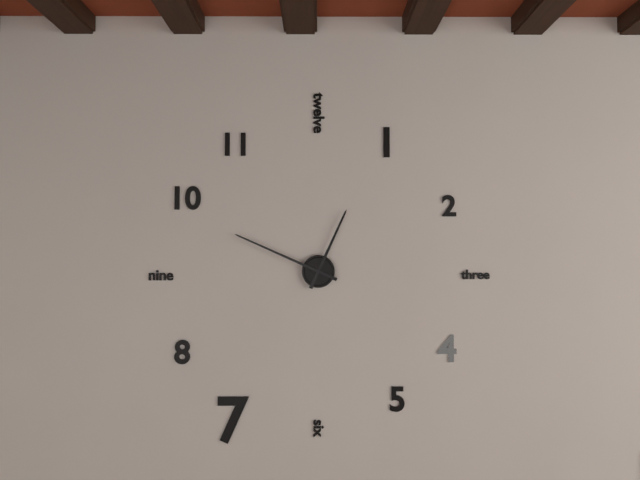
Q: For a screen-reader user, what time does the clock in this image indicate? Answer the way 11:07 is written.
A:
12:49
